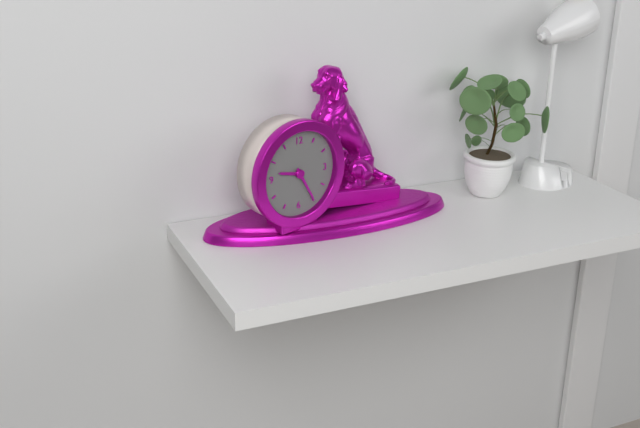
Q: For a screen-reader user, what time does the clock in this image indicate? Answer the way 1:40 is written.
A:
9:25
